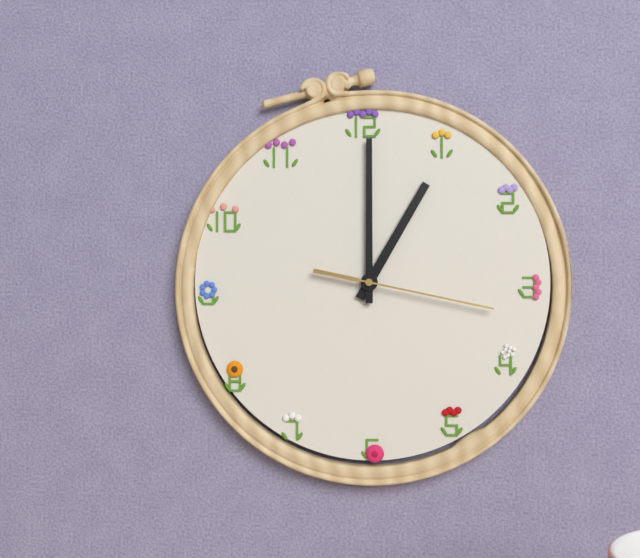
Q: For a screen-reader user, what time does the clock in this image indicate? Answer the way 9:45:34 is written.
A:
1:00:17
